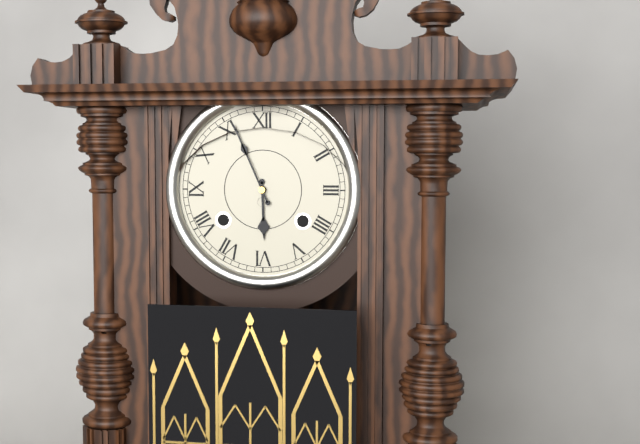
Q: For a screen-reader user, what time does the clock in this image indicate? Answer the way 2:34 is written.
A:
5:56
